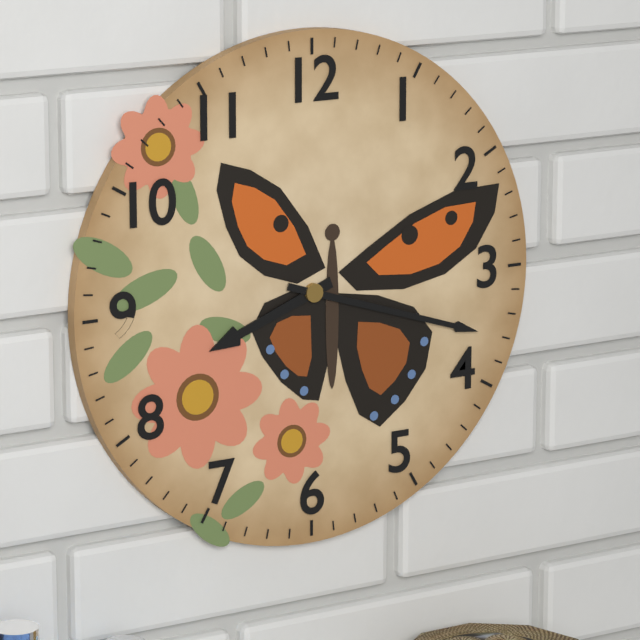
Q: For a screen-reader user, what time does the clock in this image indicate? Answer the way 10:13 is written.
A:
8:18
